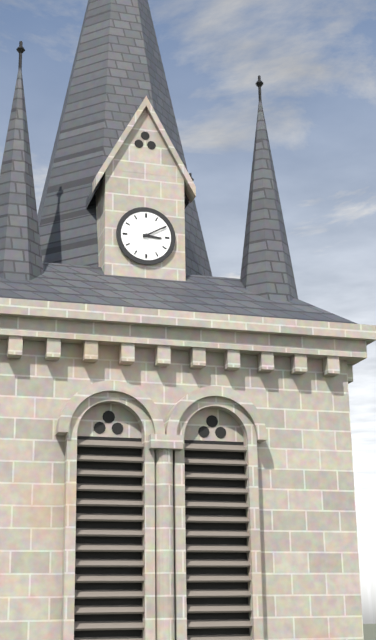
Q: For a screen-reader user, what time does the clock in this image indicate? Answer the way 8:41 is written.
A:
3:10
